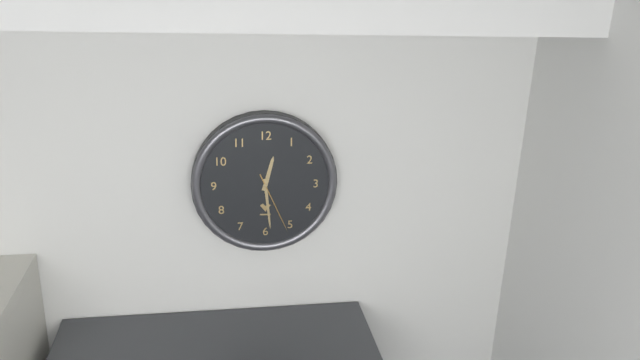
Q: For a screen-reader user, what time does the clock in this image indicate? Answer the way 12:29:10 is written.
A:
12:29:26
